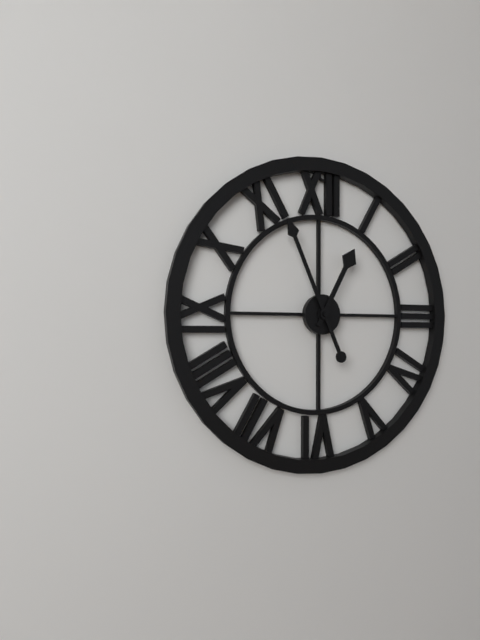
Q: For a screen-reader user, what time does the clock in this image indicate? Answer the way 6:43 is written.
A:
12:56
